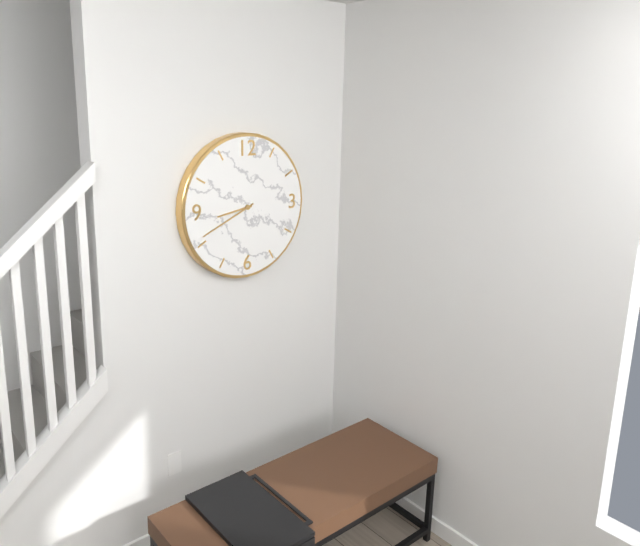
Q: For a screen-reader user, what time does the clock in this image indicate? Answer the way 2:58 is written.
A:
8:41
